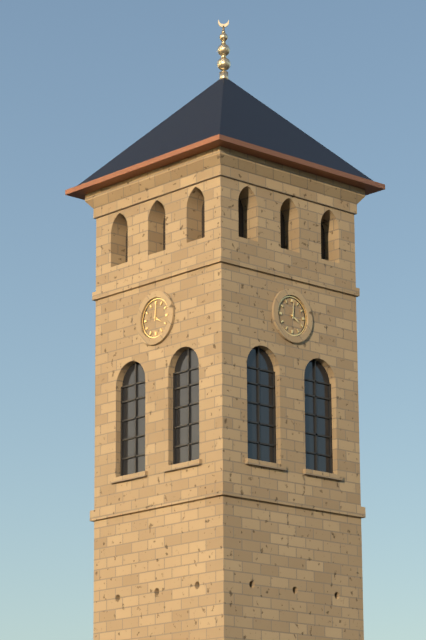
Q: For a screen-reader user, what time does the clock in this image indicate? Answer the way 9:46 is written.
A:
4:01
